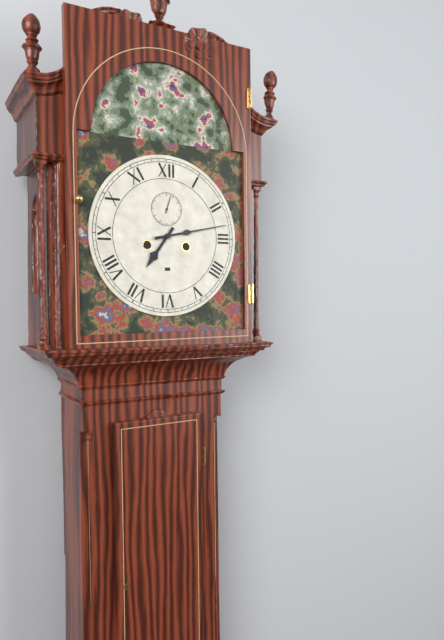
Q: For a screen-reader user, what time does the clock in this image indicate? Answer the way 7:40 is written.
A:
7:13
